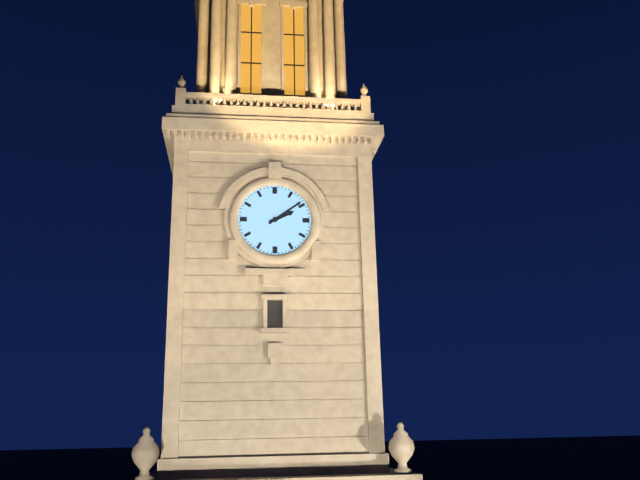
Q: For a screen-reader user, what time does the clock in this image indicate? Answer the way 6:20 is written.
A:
2:09
